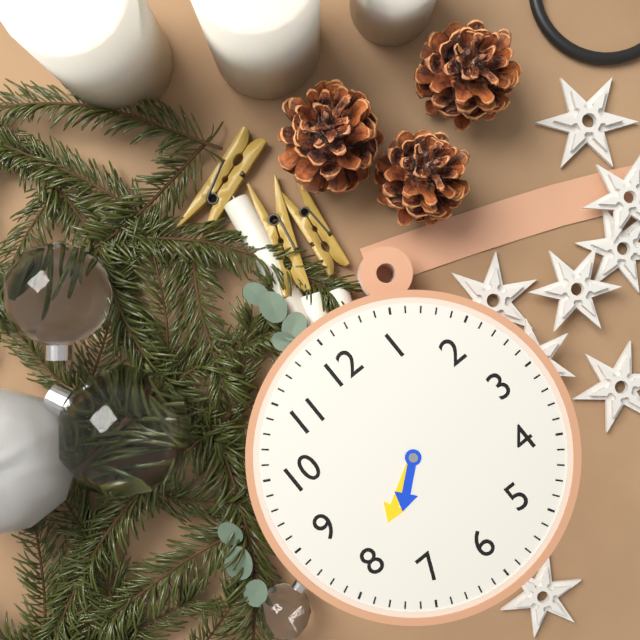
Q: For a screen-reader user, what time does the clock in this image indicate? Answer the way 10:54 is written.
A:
7:40
